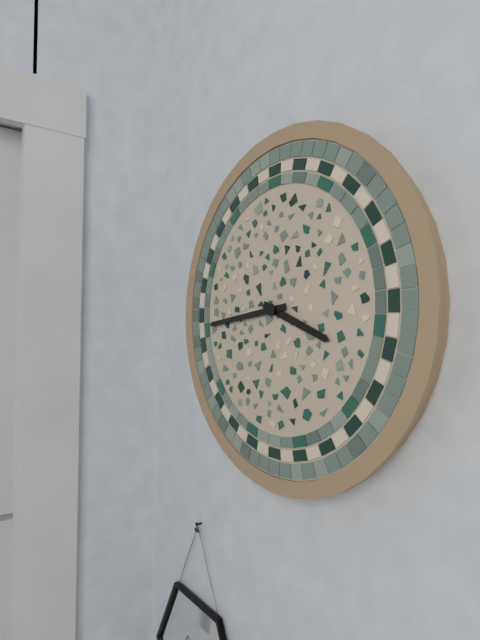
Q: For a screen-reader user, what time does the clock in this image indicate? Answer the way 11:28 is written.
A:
3:44
